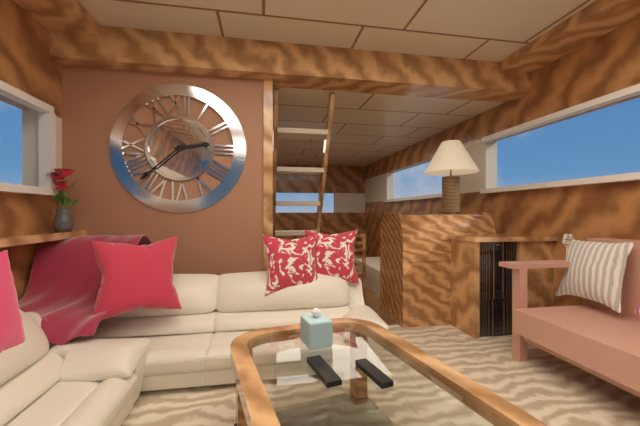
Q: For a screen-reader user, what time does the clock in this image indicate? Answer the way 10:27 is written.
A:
2:38
